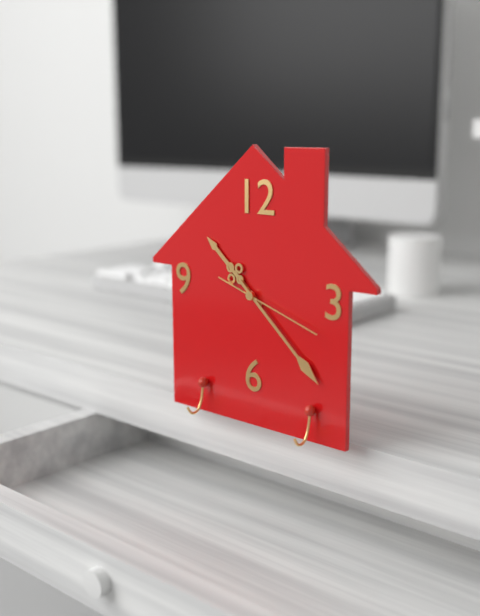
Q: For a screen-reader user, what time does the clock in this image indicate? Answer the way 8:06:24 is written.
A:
10:22:18
